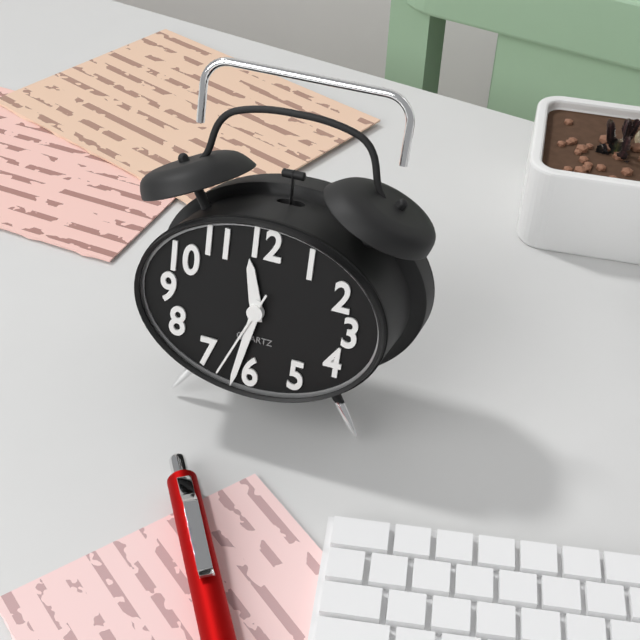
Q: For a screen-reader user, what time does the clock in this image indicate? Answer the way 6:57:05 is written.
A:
11:32:34
